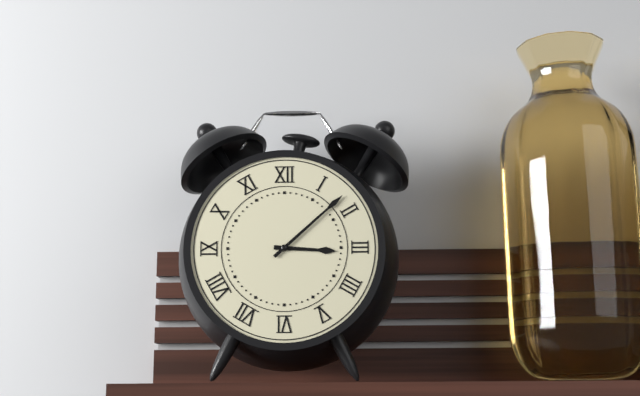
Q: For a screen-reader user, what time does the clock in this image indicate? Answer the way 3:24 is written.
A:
3:08
